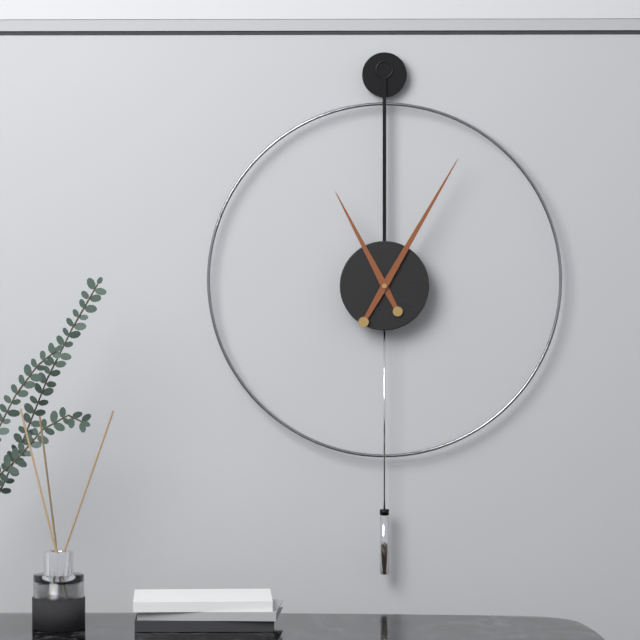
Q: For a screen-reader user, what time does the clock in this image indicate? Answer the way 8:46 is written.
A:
11:05
